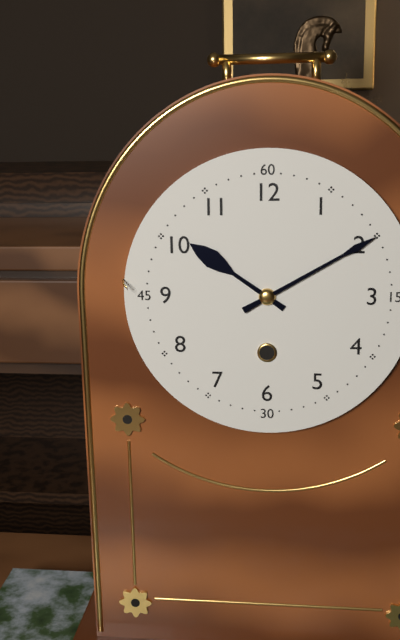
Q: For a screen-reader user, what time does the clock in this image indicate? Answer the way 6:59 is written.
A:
10:10
